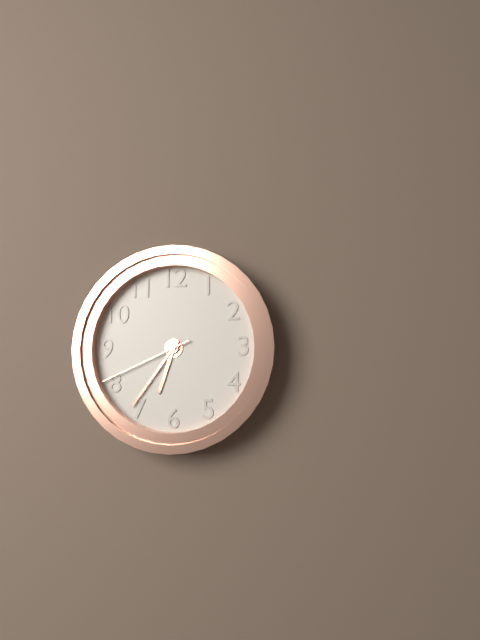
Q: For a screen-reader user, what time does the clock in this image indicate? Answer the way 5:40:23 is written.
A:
6:36:41
